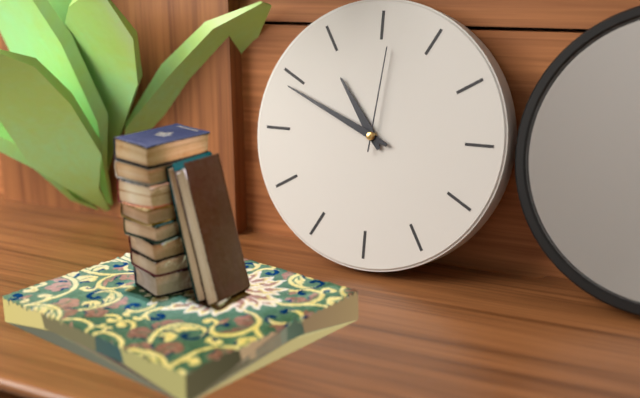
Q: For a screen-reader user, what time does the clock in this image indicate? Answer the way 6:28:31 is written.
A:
10:49:01
